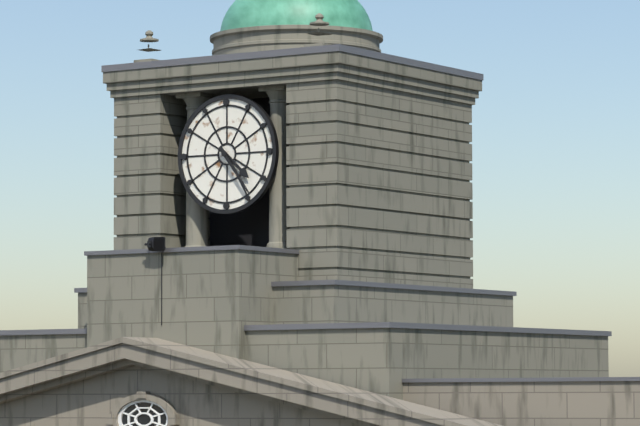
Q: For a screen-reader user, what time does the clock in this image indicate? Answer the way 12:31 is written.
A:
4:24
